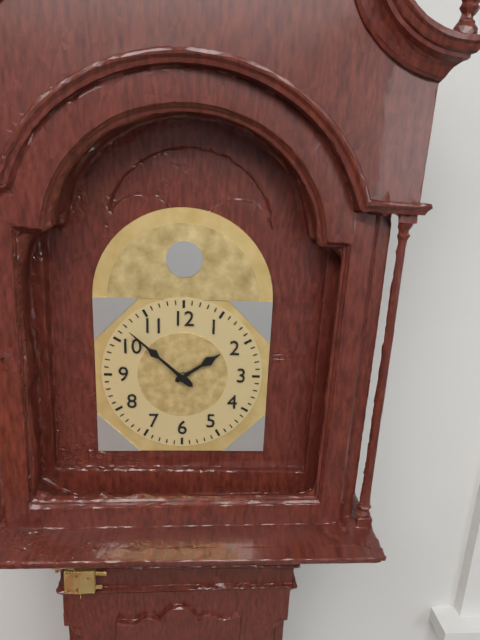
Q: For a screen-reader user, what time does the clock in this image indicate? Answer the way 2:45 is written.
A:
1:52
